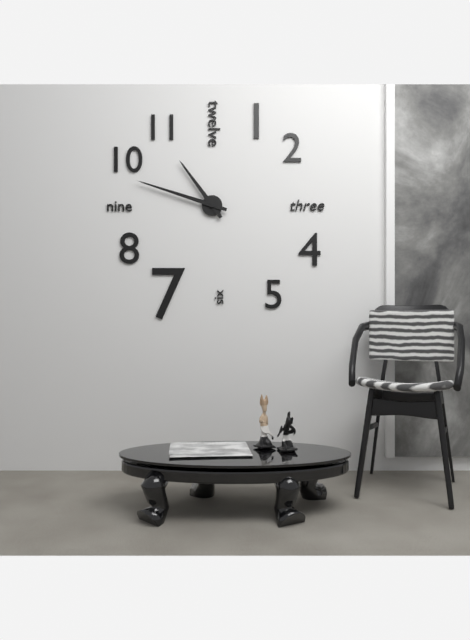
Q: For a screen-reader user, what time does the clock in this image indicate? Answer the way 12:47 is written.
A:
10:48
